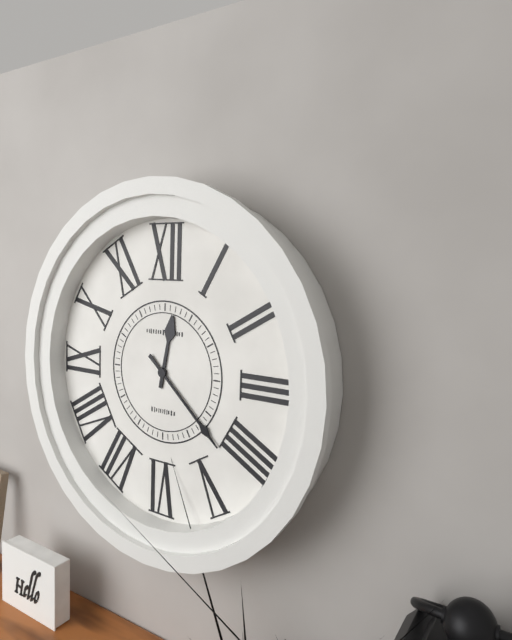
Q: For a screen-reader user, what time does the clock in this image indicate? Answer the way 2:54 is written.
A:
12:22
